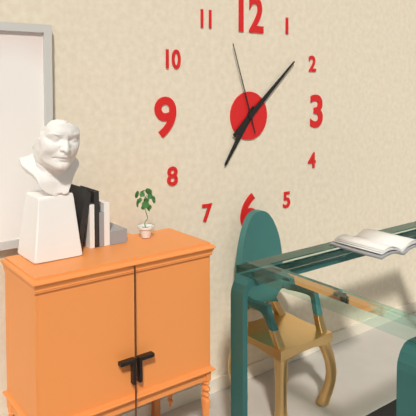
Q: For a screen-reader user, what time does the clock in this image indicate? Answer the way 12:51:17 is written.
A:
7:08:57
